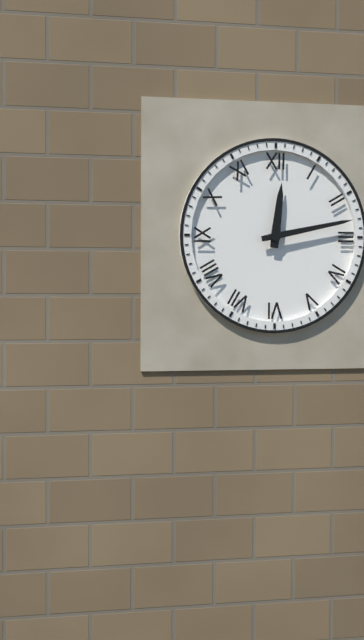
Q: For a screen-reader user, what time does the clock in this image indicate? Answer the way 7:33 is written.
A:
12:13
